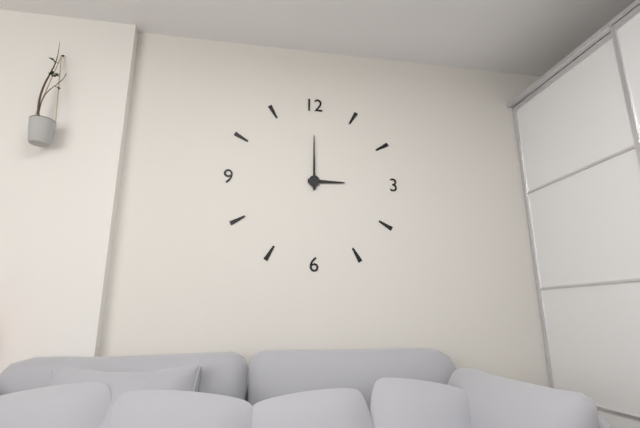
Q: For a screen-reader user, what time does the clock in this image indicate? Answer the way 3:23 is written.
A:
3:00
